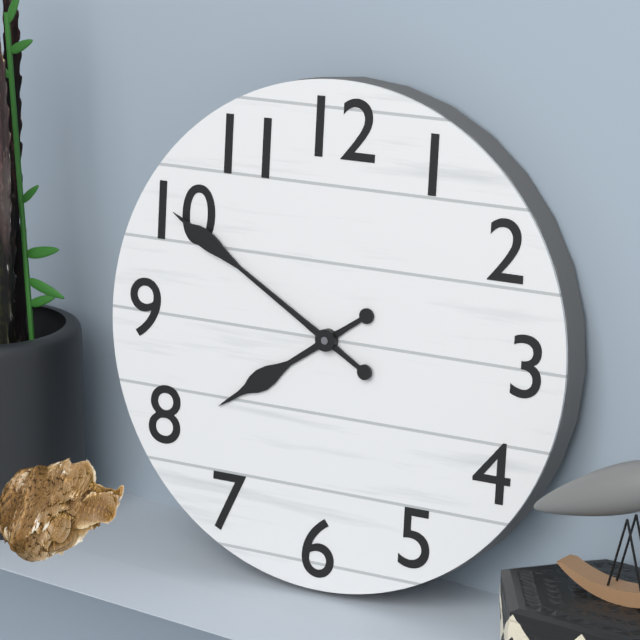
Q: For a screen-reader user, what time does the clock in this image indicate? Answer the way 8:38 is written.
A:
7:50
